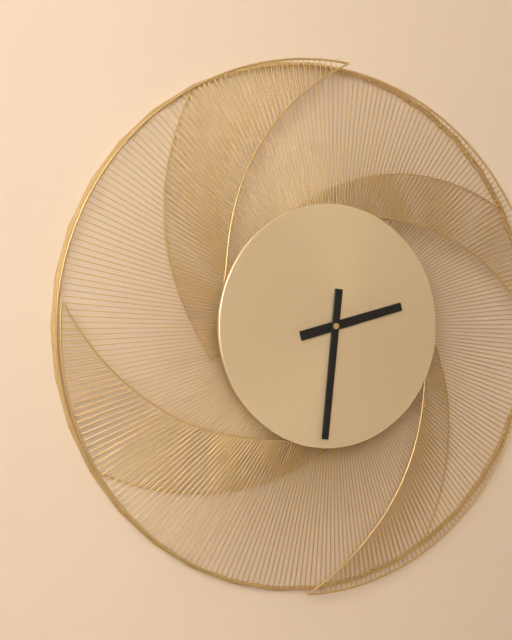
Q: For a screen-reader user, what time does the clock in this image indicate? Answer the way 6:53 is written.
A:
2:31
